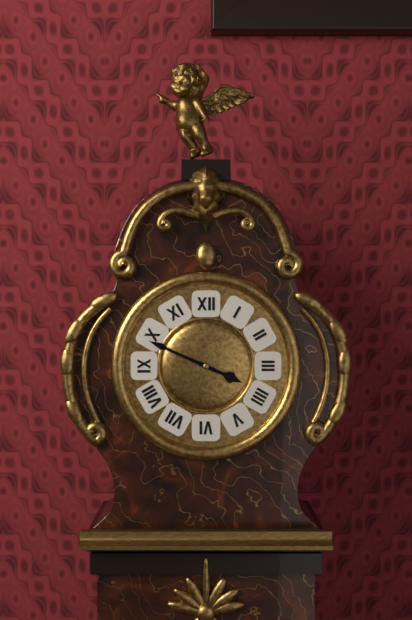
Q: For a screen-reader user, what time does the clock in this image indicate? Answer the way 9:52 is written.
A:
3:49
